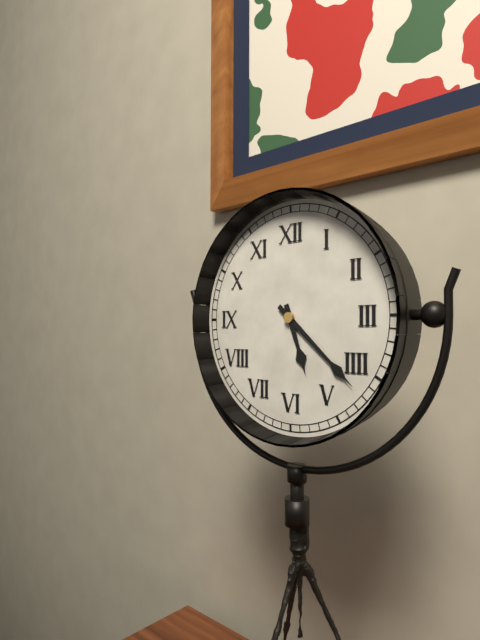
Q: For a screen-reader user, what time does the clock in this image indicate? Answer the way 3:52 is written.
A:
5:22
